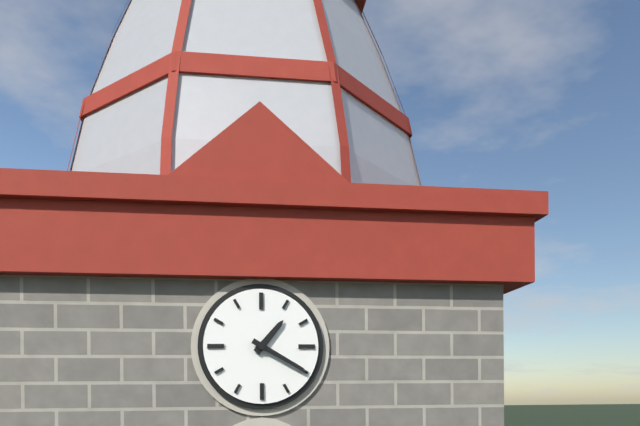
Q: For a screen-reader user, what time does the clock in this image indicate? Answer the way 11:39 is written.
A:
1:20
